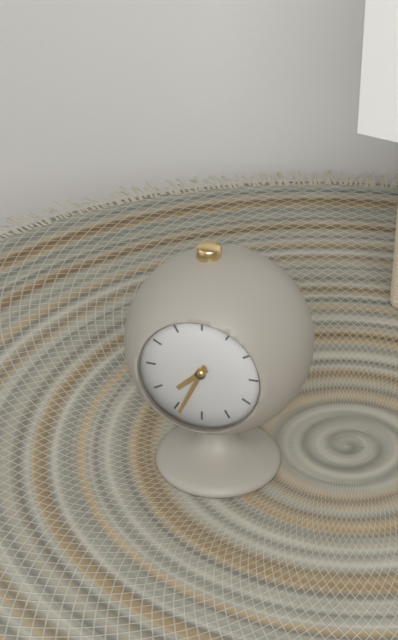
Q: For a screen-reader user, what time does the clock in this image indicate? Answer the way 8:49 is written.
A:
7:34
